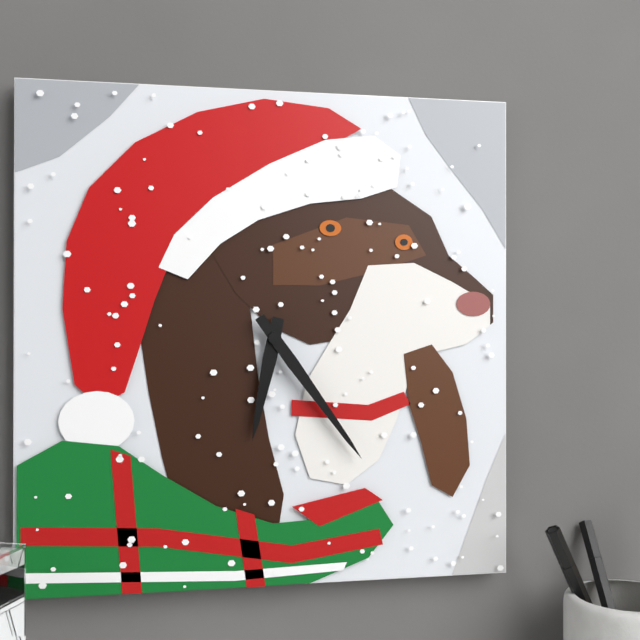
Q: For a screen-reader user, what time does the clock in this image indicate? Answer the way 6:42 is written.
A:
6:24
